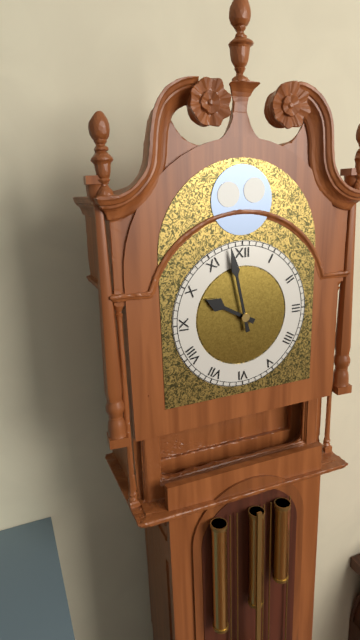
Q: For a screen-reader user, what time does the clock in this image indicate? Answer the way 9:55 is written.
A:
9:58
